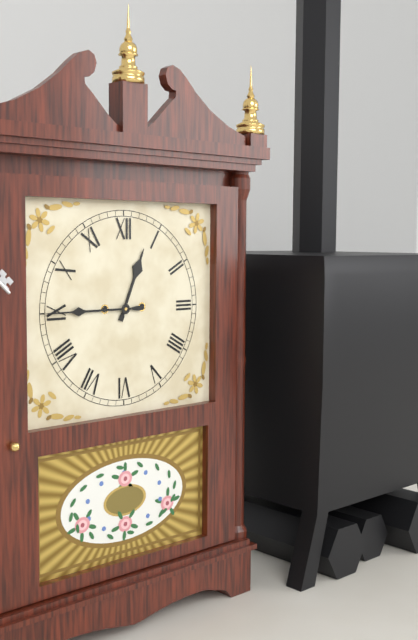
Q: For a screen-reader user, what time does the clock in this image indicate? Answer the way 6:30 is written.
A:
12:45
